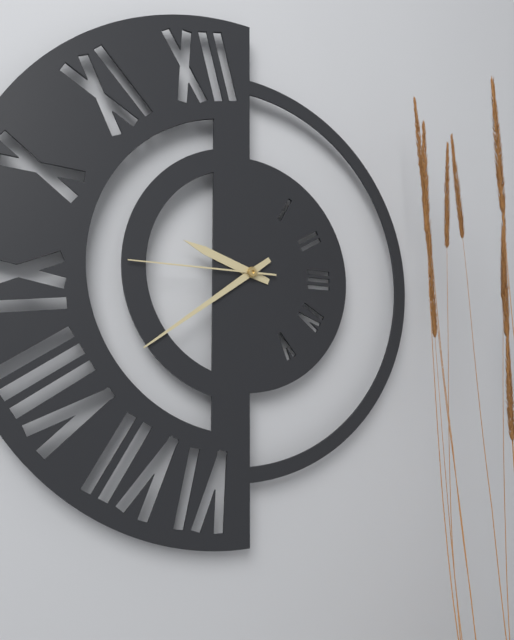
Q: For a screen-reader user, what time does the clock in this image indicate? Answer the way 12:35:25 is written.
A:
9:39:45
